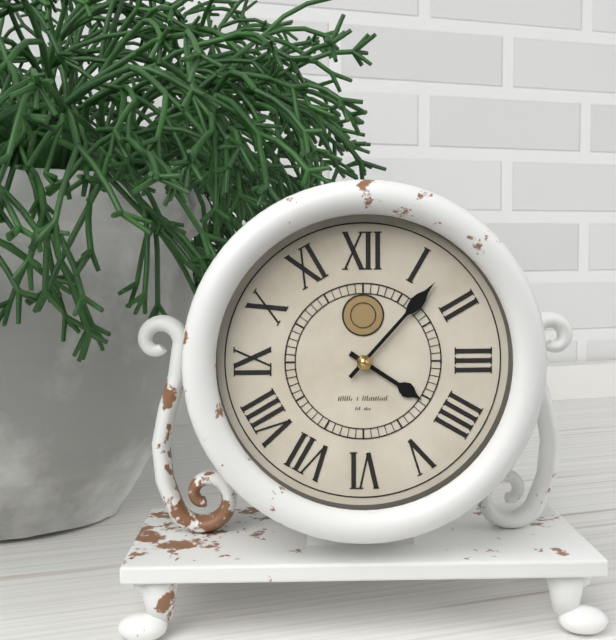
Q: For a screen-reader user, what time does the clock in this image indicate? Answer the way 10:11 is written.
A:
4:07
